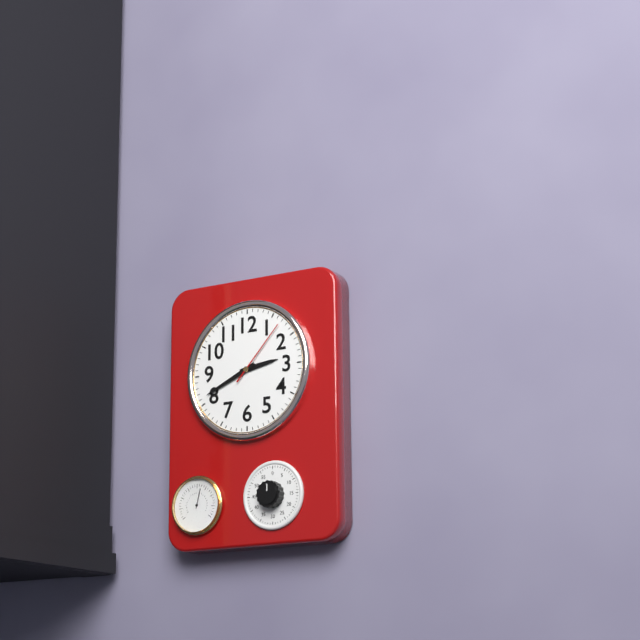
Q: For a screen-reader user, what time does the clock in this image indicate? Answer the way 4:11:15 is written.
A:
2:41:07
